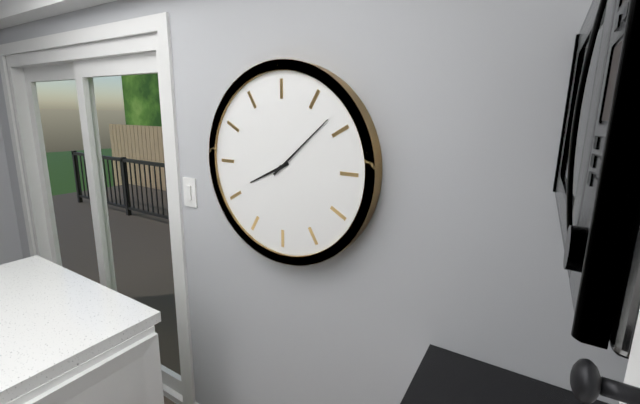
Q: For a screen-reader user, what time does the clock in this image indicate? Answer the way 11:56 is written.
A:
8:08
